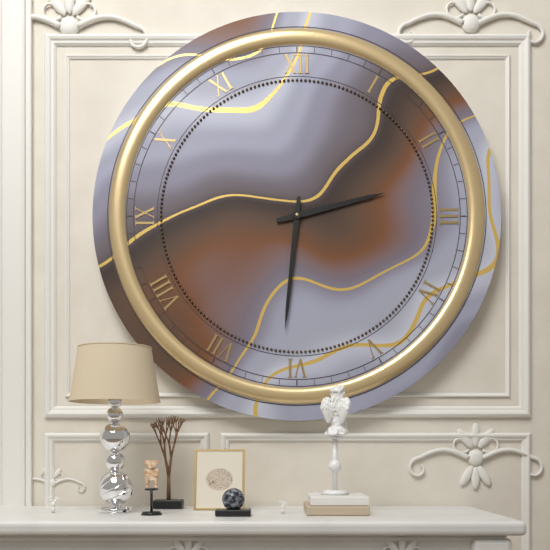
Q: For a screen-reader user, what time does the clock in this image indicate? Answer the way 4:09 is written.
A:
2:31
